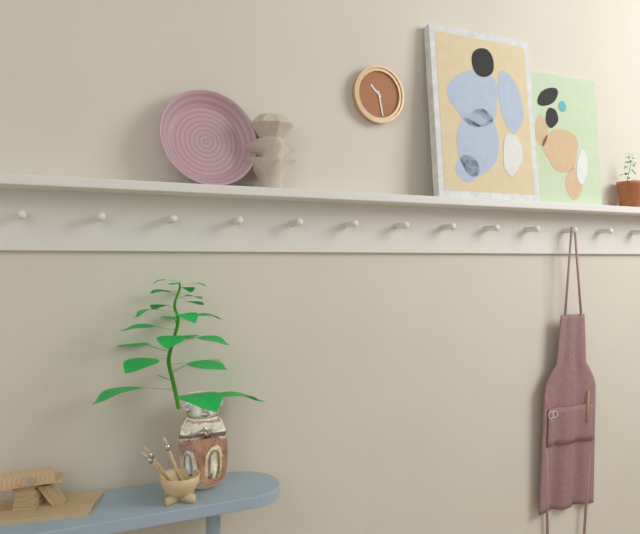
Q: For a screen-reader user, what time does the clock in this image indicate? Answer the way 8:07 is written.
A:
10:28
